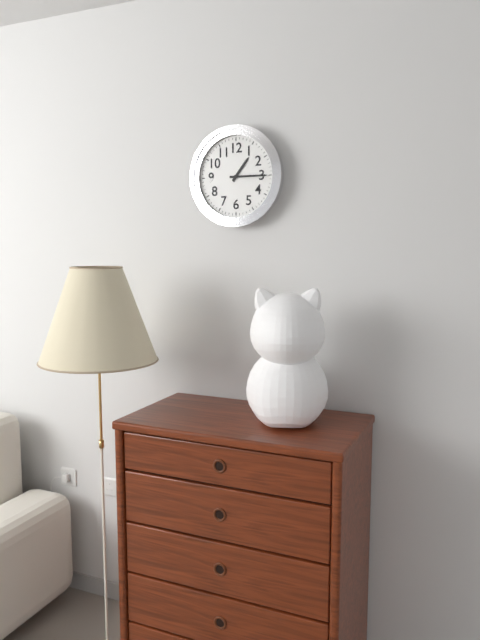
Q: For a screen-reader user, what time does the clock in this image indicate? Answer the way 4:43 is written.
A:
1:15
